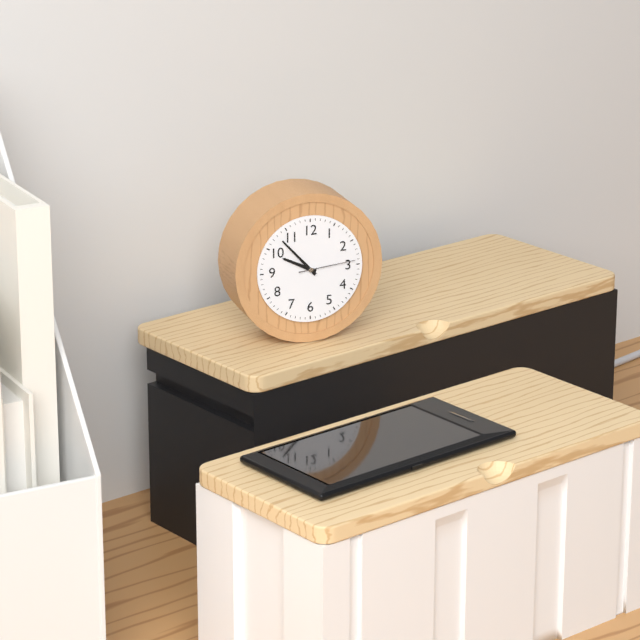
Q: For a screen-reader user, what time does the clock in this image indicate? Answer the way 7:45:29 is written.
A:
9:53:14
